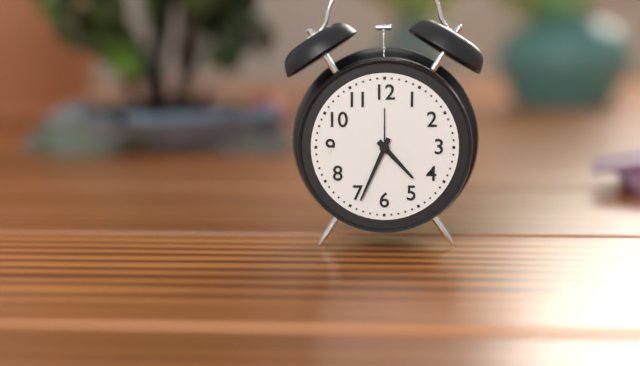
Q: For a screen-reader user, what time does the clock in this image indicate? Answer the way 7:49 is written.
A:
4:34
